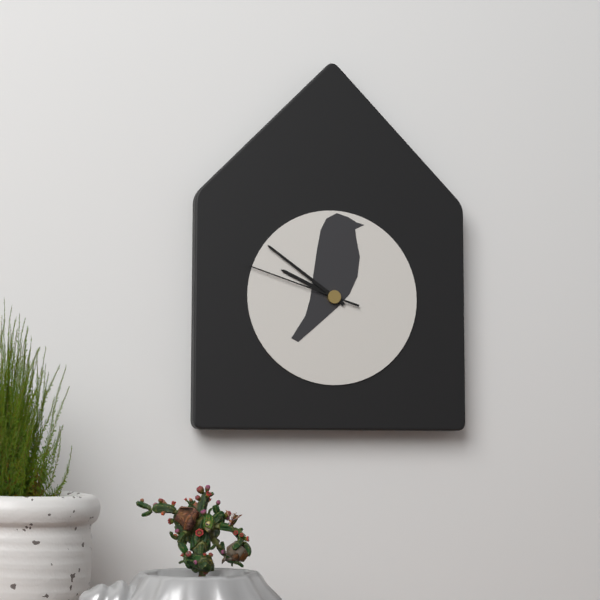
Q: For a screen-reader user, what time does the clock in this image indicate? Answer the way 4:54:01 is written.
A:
9:51:48
